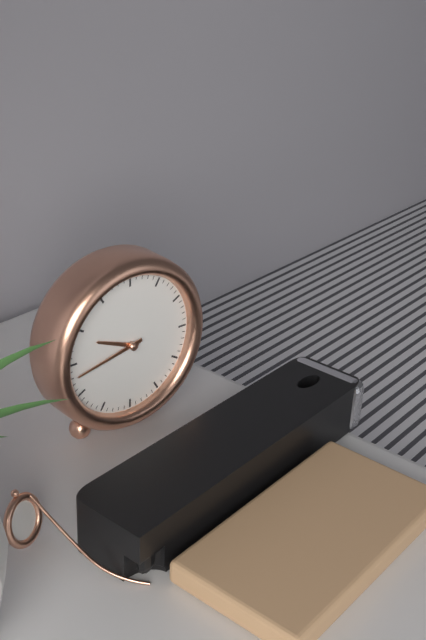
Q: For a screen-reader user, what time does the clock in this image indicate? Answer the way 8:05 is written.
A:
9:43
